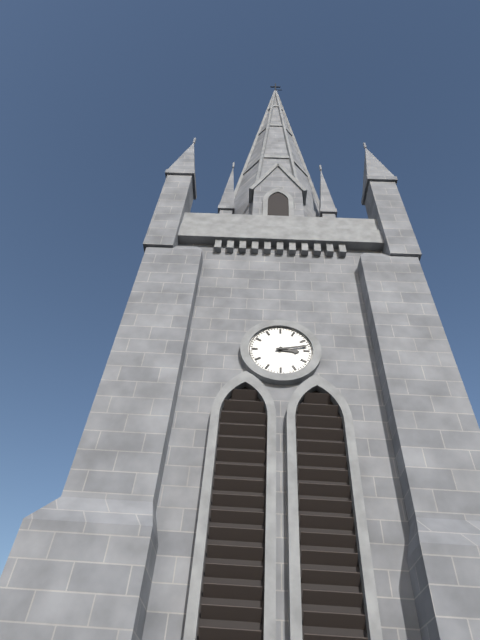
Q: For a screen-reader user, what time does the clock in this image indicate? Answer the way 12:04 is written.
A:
3:13
